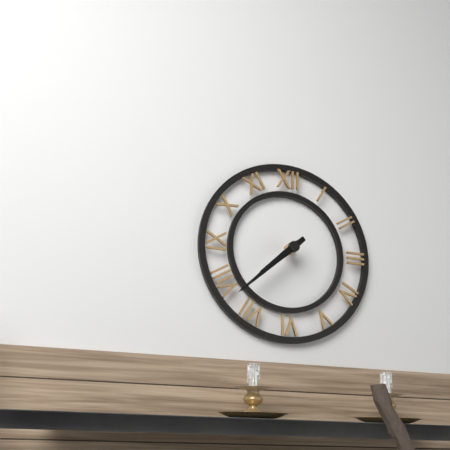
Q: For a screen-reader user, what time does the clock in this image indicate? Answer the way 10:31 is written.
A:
7:38
